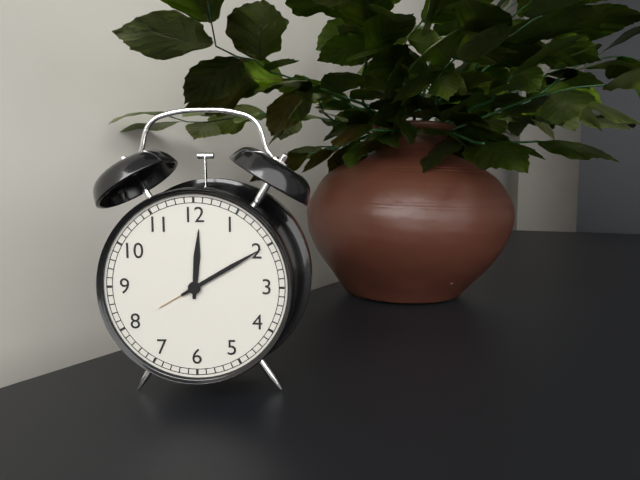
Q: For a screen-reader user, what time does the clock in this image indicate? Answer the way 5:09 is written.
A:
12:10
